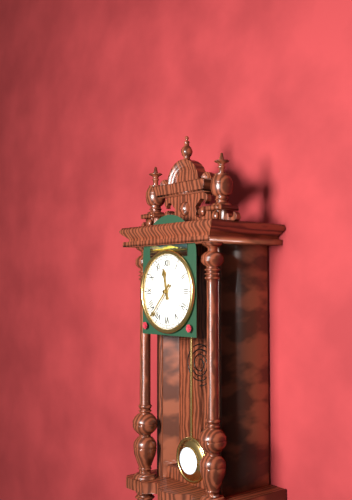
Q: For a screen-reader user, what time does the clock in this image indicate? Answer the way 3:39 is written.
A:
11:37
